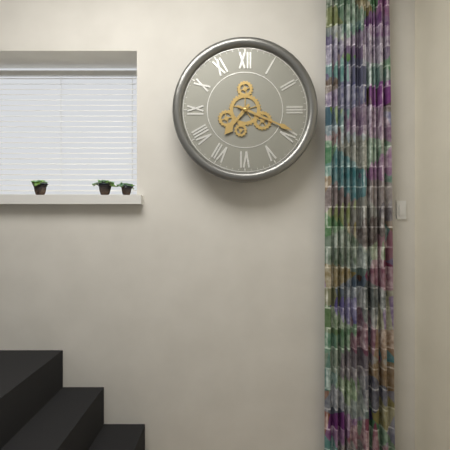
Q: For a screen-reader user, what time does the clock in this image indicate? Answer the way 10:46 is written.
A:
7:19
